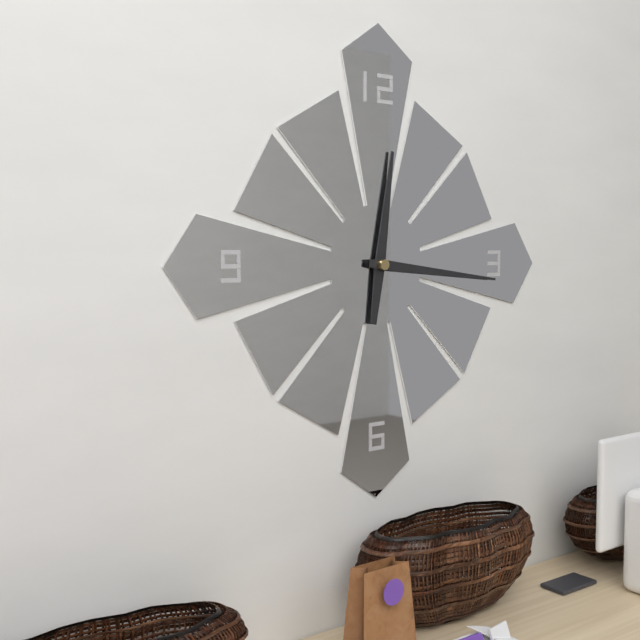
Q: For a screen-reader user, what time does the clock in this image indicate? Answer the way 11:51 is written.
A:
12:16
